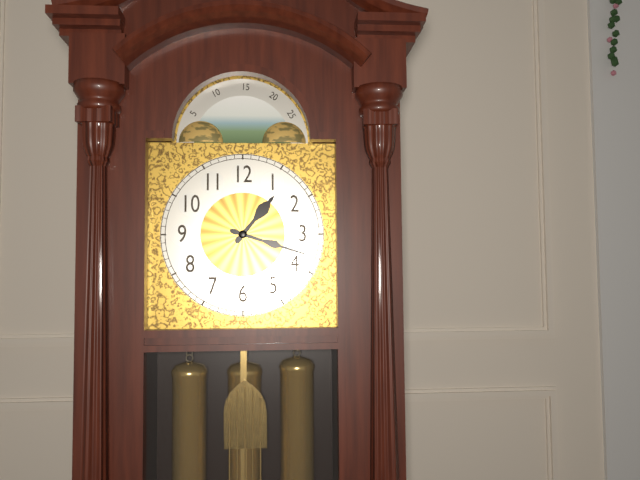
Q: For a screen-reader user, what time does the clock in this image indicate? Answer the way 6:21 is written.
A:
1:18
